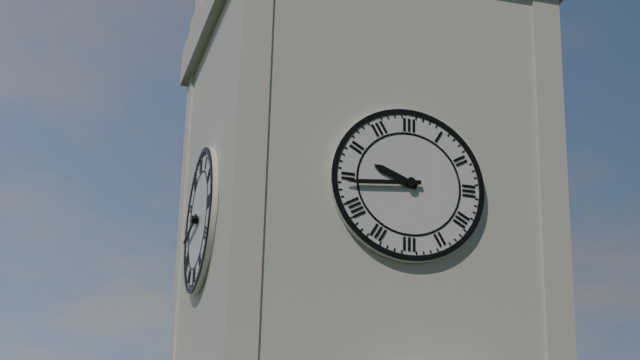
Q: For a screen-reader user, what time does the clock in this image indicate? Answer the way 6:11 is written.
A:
9:44
